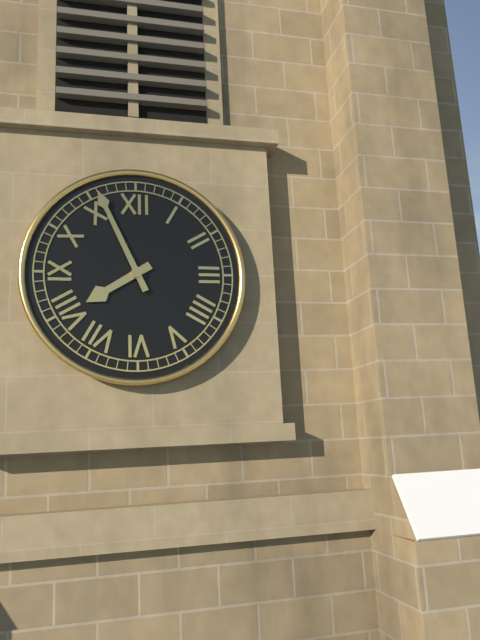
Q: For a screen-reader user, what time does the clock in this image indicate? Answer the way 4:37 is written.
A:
7:56
